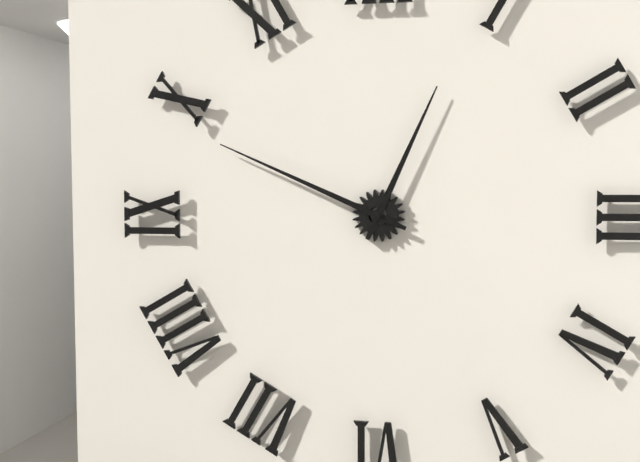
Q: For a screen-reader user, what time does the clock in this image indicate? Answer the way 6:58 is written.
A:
12:49
